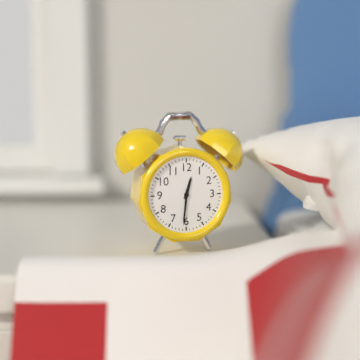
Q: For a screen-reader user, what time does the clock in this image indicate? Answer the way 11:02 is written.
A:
12:31
